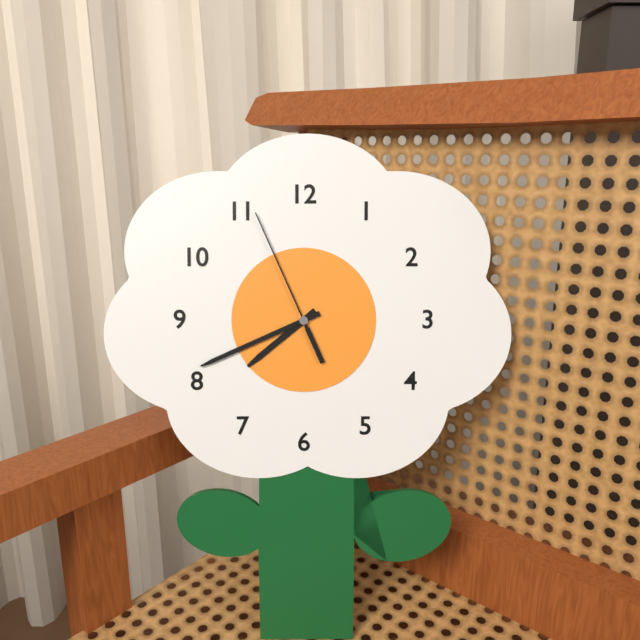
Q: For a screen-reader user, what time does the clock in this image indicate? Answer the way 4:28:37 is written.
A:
7:41:56
